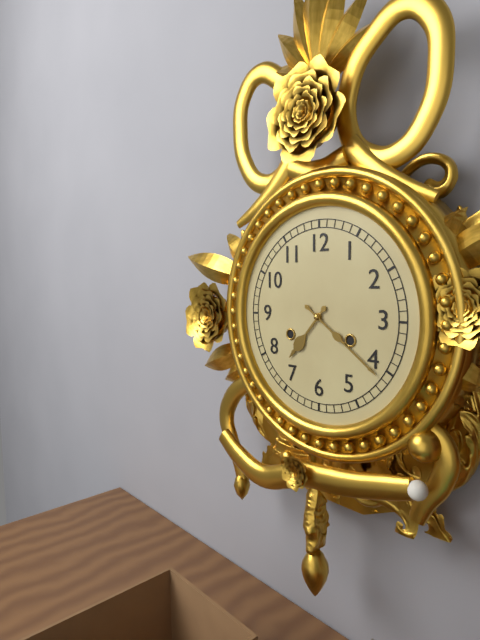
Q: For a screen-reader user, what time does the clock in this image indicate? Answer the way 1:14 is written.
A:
7:21
